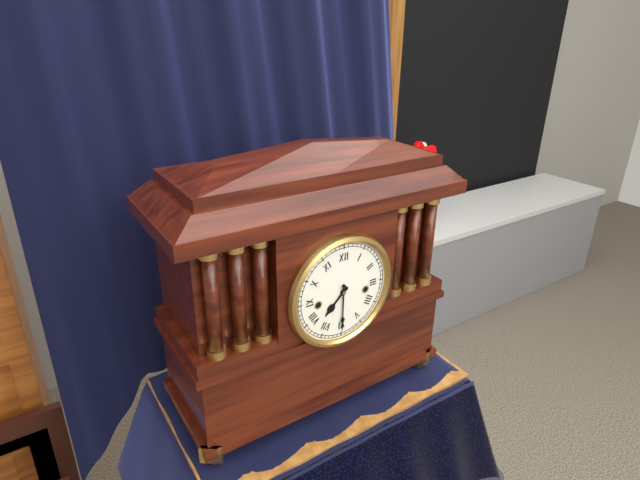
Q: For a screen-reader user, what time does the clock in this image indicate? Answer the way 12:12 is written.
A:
7:30
